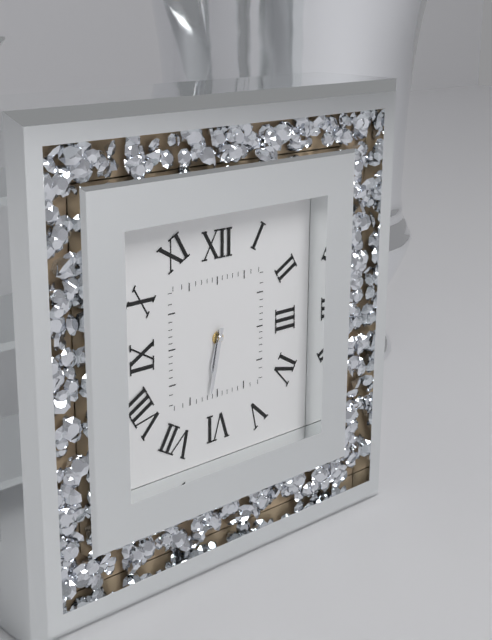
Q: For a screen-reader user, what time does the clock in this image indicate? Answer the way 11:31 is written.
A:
6:32
